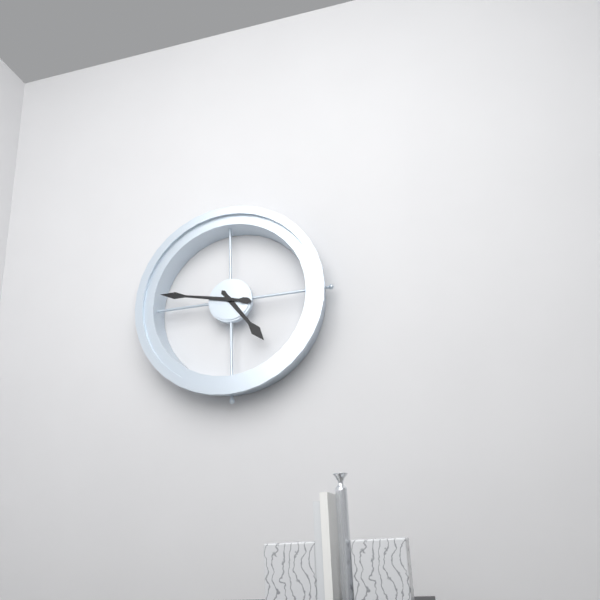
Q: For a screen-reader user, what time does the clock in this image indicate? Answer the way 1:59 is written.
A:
4:47
